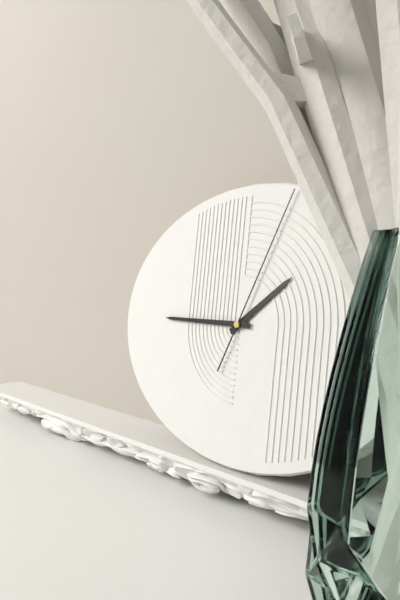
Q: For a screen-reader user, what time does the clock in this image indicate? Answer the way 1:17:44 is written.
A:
1:45:04
